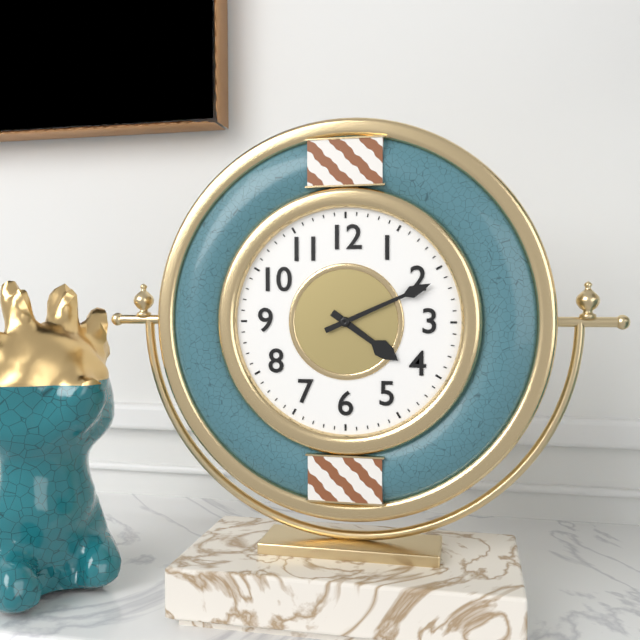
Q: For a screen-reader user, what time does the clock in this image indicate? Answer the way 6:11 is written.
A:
4:11
